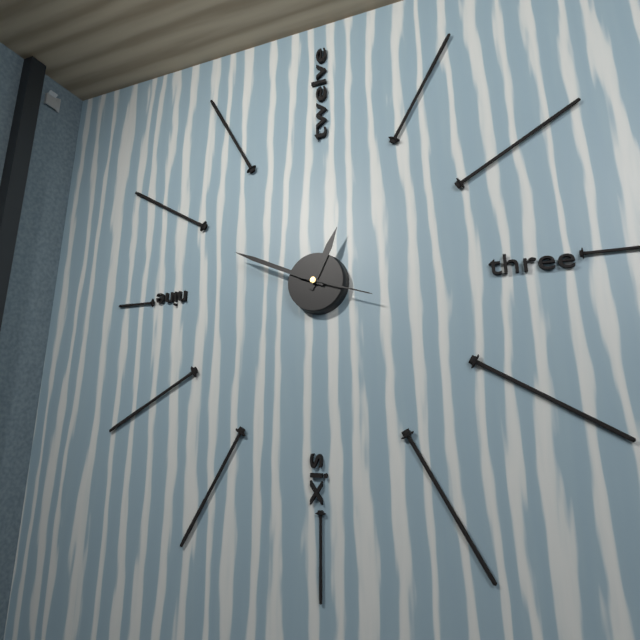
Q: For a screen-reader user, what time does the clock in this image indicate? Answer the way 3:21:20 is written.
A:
12:49:18
